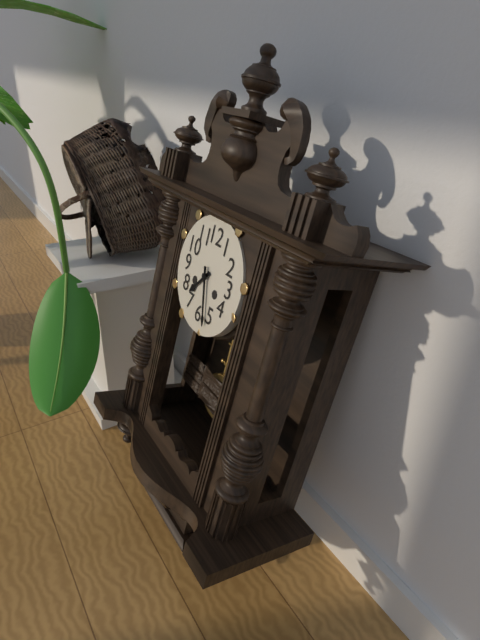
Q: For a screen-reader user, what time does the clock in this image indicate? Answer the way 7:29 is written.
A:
7:27
